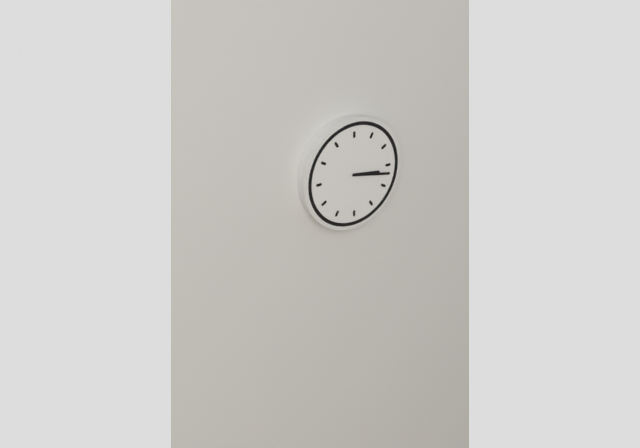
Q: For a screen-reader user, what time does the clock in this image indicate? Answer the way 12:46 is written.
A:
3:17
